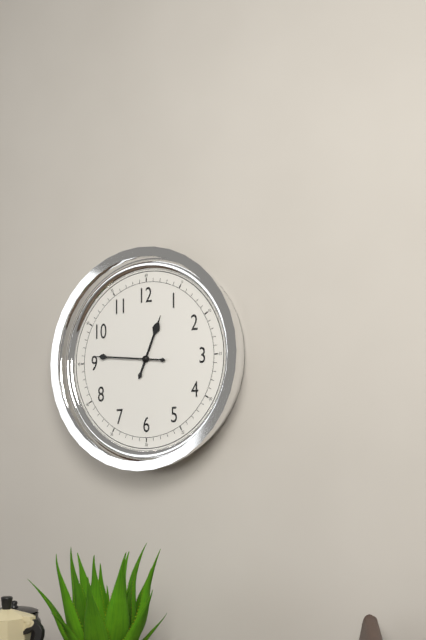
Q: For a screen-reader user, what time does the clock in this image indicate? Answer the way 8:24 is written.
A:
12:46
